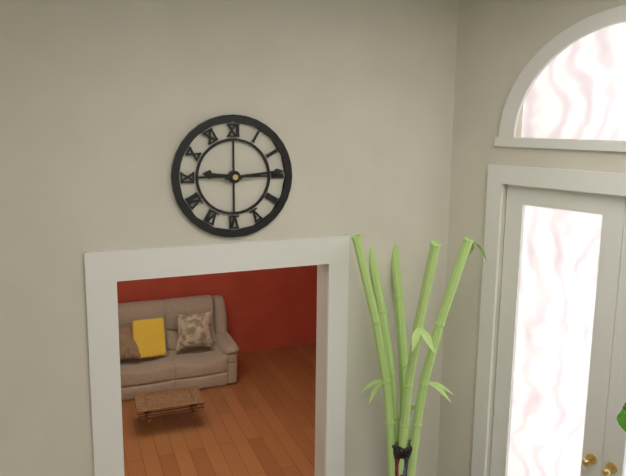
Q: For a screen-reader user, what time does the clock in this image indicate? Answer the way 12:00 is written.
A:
9:14
